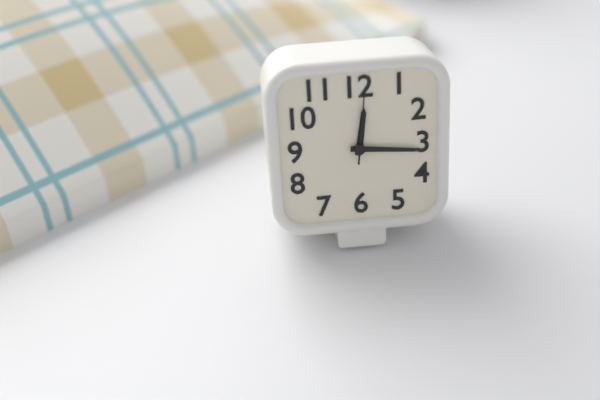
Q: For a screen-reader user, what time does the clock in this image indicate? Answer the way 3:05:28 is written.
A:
12:16:01
